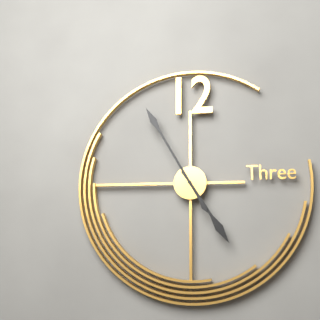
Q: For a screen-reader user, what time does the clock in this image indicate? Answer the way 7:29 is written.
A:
4:55
